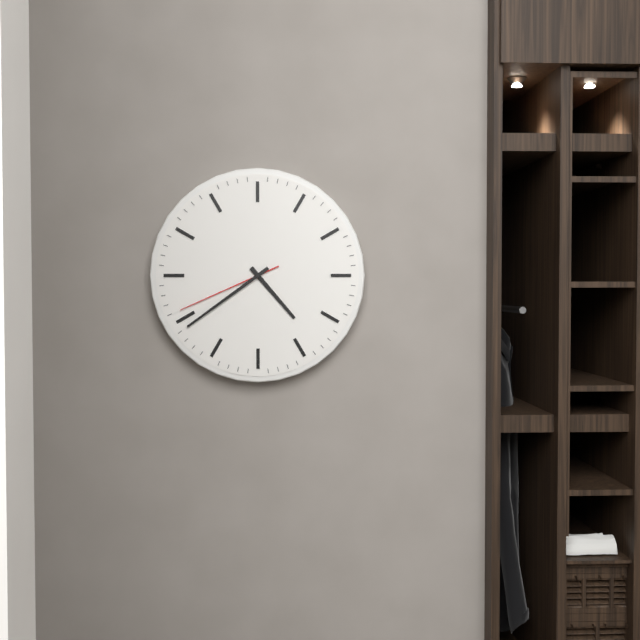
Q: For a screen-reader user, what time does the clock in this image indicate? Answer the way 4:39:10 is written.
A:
4:39:41
